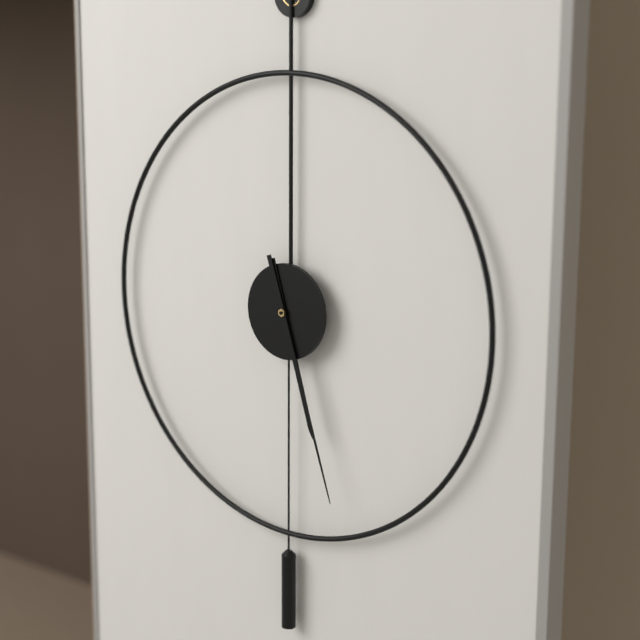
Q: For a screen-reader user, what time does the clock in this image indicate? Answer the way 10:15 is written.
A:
5:27
